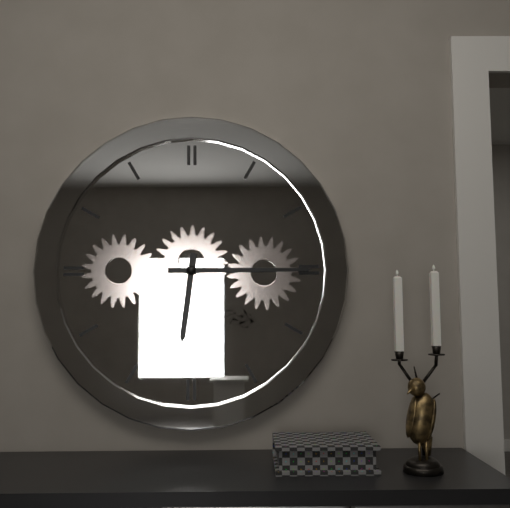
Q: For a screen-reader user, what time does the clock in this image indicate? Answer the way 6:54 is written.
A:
6:15
